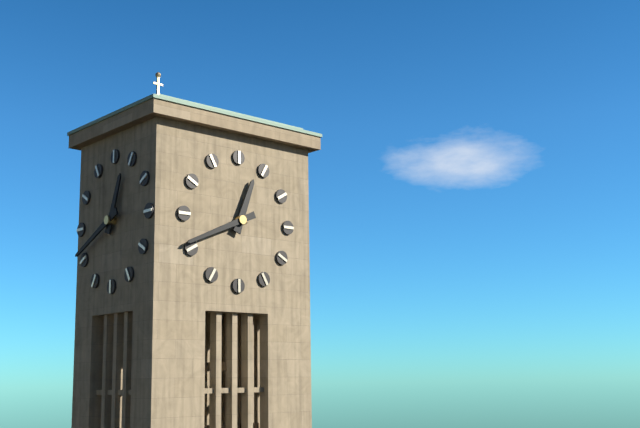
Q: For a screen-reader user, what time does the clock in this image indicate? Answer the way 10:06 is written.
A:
12:41
